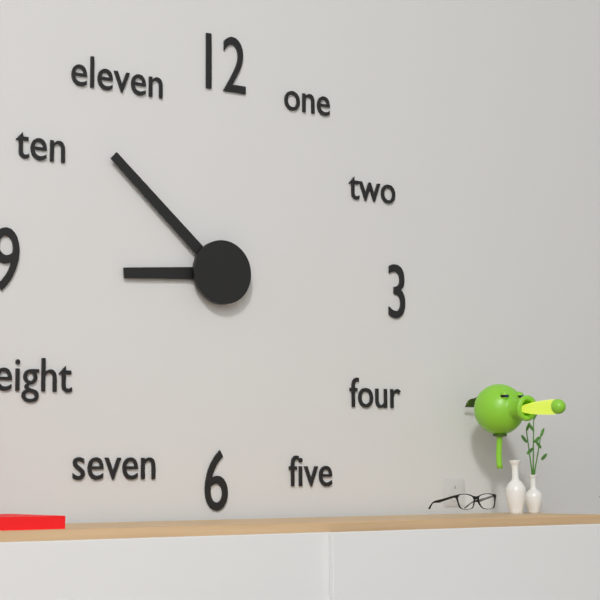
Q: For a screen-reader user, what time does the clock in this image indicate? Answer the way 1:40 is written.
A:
8:52
